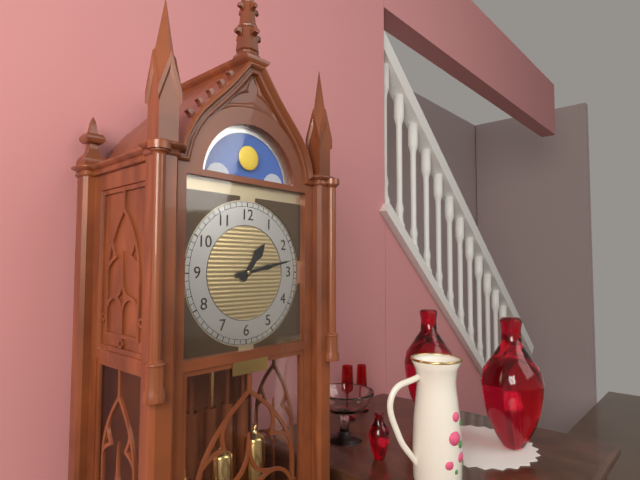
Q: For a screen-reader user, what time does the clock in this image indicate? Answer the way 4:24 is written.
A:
1:13
